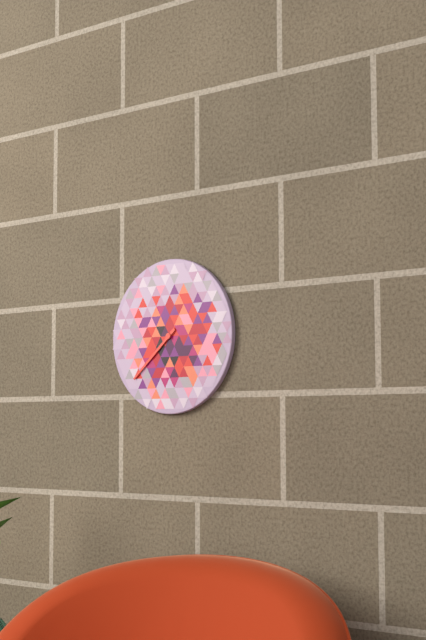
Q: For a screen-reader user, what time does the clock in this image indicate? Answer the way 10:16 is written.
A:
7:38
